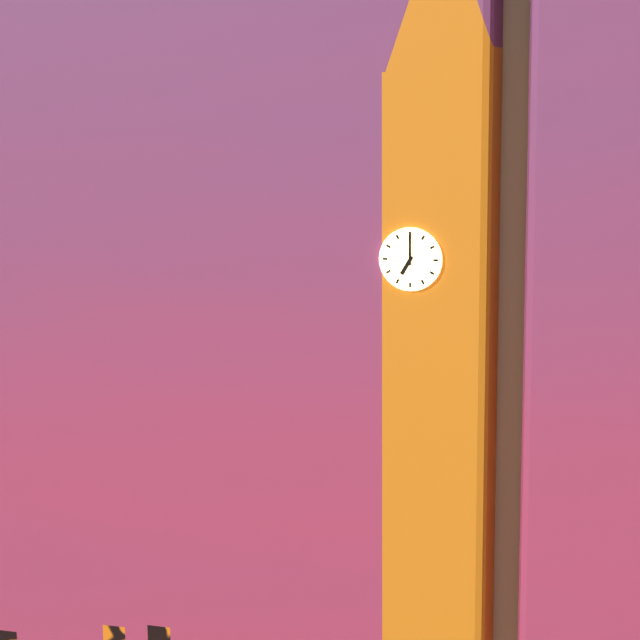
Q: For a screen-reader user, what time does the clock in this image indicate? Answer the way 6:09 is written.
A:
7:00
